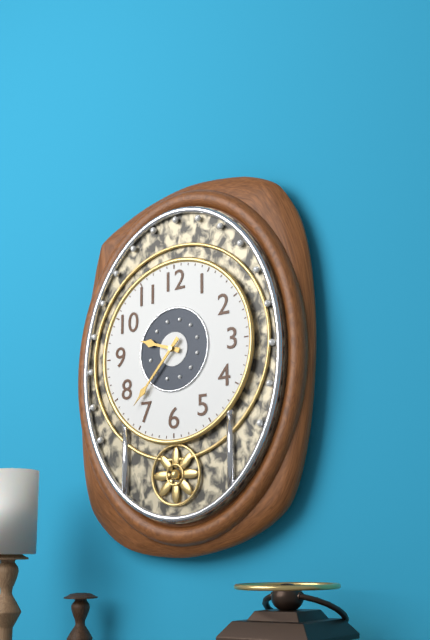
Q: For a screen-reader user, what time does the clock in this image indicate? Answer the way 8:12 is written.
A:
9:37
